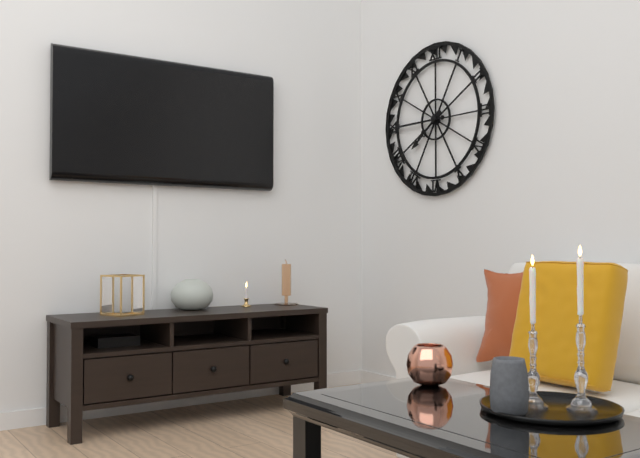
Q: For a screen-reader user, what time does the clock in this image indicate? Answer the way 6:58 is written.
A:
7:45
